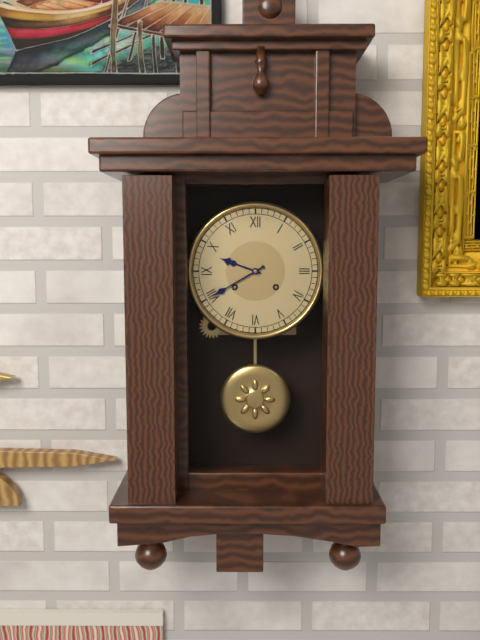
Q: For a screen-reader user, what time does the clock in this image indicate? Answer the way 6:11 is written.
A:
9:40
